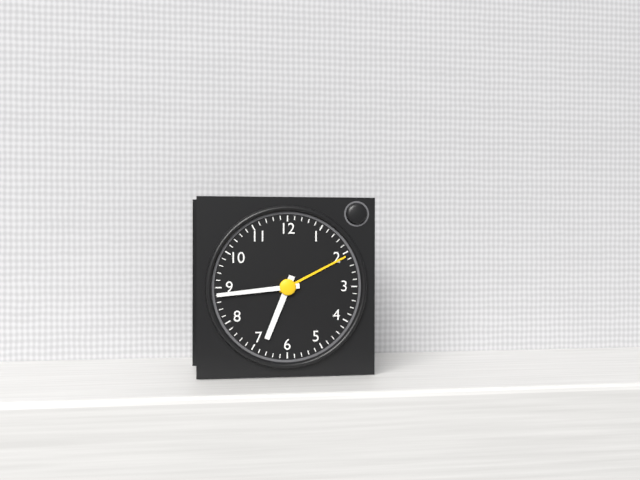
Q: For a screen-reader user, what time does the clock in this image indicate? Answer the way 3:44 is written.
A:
6:44
